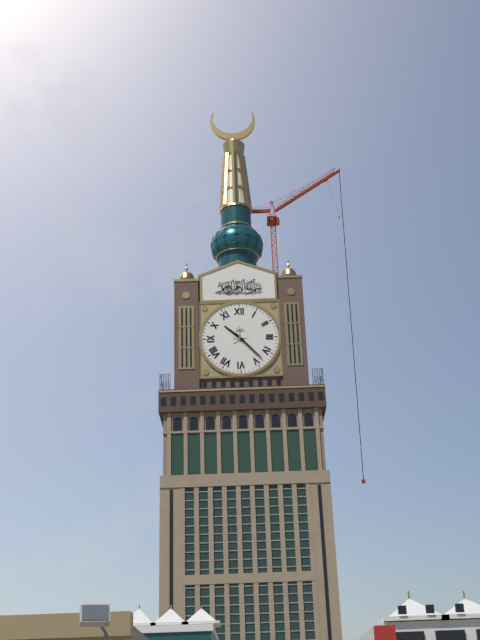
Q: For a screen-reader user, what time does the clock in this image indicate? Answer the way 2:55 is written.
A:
10:23
